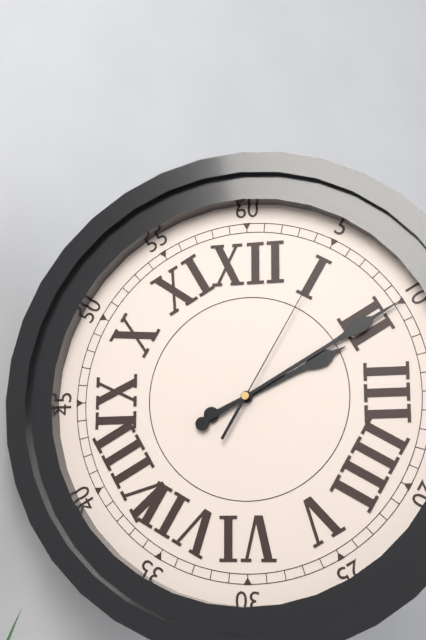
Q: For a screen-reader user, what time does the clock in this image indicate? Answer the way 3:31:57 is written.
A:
2:10:05
